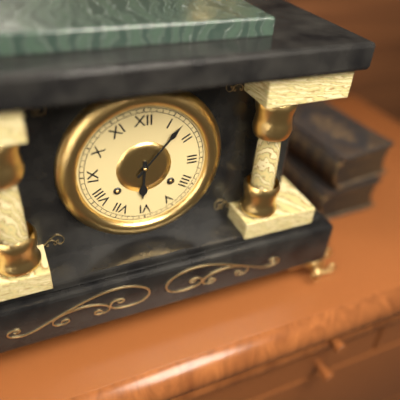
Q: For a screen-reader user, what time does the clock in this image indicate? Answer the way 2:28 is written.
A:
6:07
